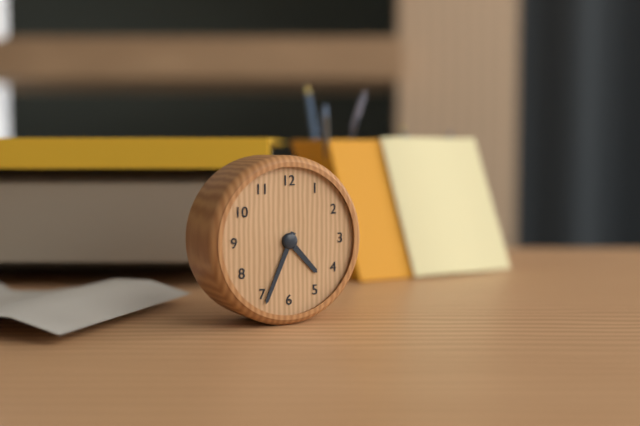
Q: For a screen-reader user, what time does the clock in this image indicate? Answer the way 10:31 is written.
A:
4:34
